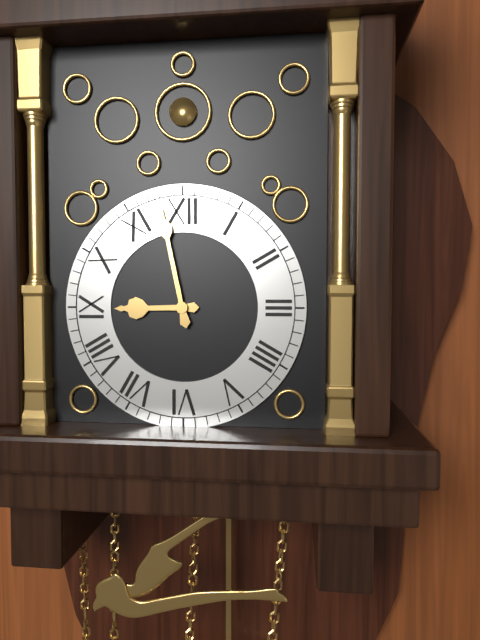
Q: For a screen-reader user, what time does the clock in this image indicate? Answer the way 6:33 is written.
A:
8:58
